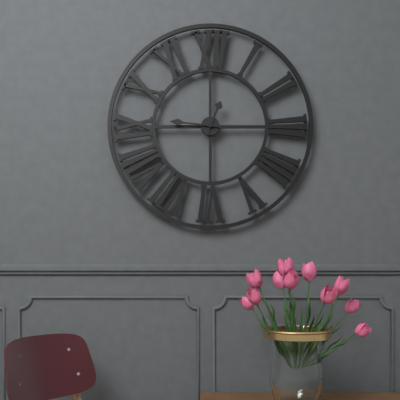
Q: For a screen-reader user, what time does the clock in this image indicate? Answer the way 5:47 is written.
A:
12:46
